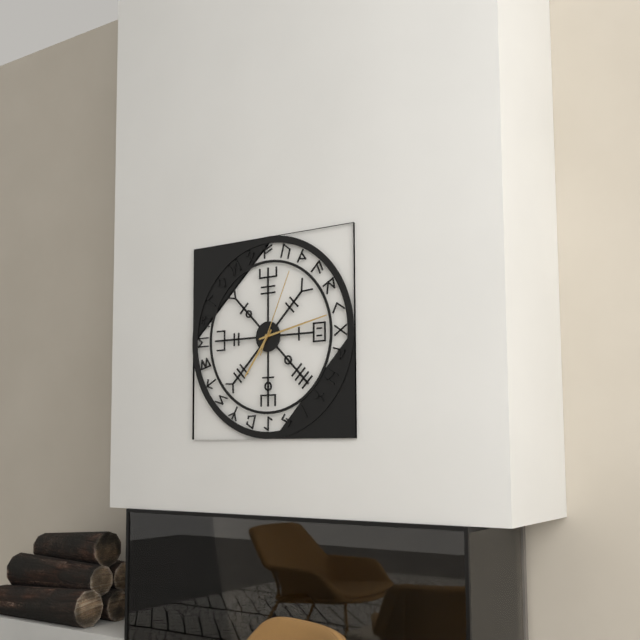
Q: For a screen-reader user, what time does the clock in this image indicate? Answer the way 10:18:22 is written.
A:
7:13:04
